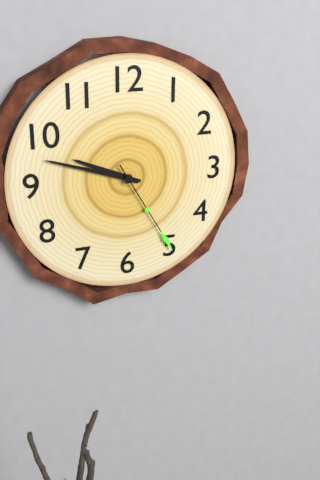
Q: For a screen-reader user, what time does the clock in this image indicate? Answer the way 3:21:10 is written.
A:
9:48:25
